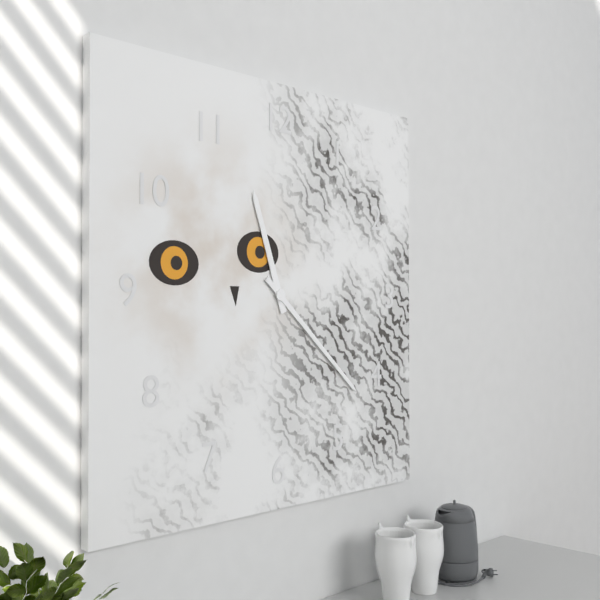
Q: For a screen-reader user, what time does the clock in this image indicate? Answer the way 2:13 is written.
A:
11:22
